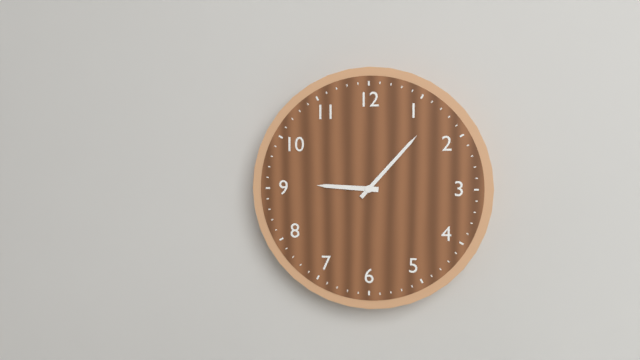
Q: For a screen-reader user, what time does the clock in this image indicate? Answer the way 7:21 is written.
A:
9:07
